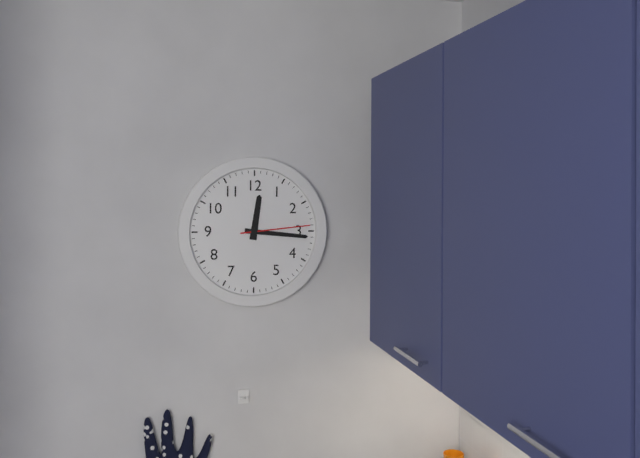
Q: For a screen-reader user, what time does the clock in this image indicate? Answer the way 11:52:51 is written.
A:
12:16:14
